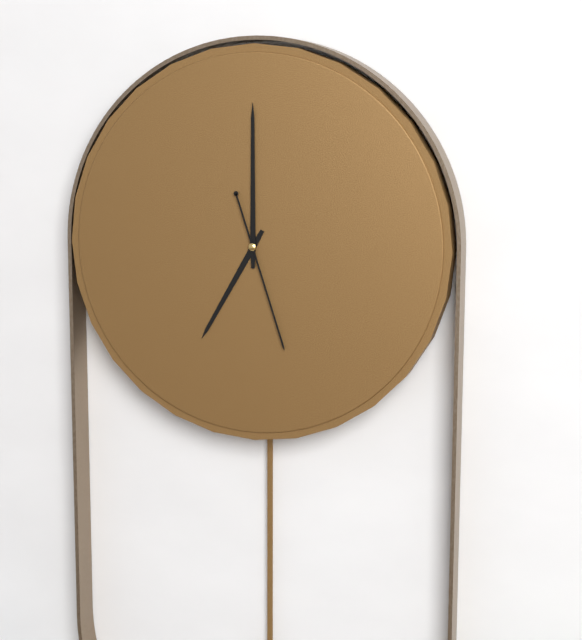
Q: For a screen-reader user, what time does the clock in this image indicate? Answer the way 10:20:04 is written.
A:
7:00:27
